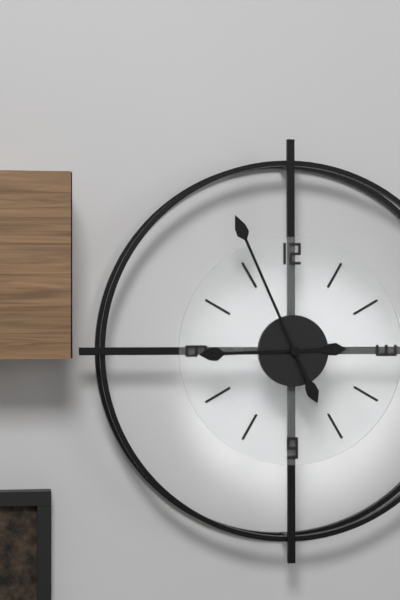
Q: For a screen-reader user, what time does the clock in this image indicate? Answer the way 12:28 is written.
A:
8:56
